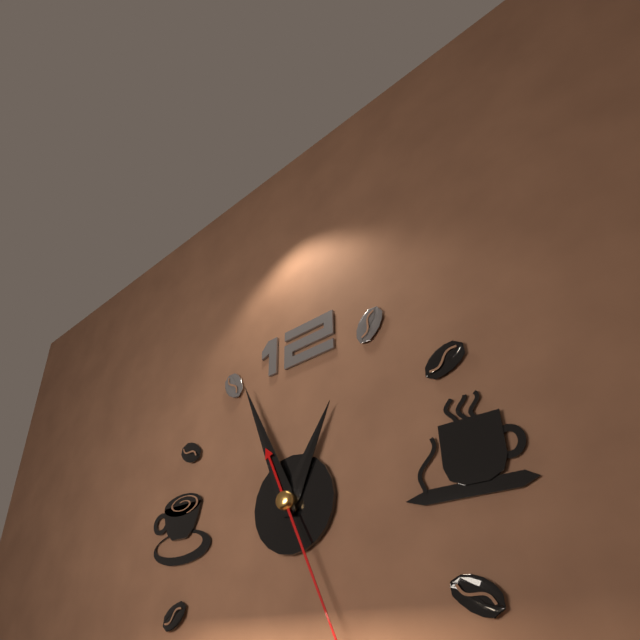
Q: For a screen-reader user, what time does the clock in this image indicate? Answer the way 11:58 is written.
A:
12:56
